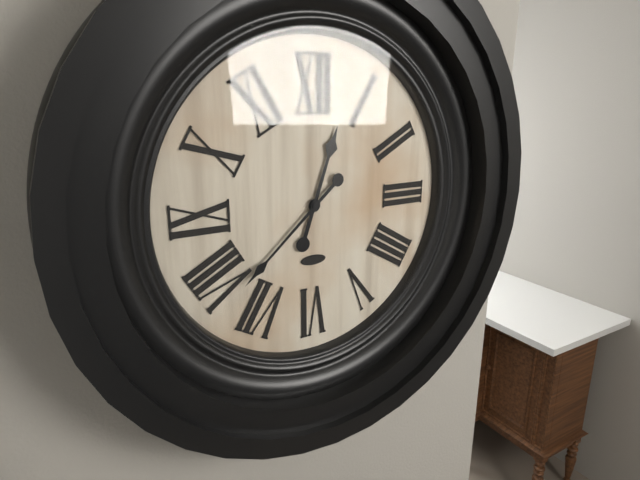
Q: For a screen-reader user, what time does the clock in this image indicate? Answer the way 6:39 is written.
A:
12:38
